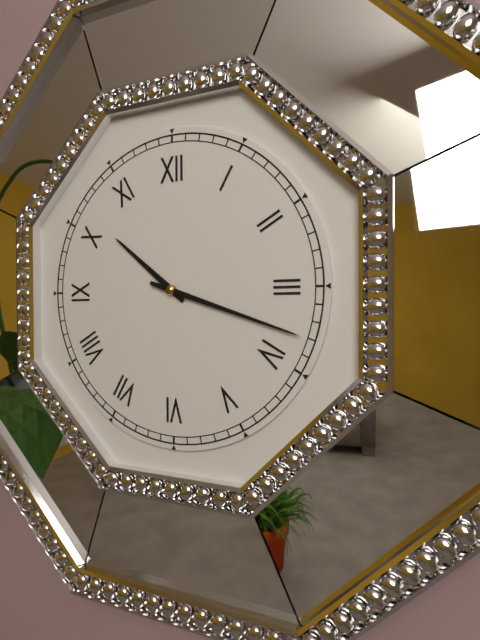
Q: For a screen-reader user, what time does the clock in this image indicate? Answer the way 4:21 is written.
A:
10:18
